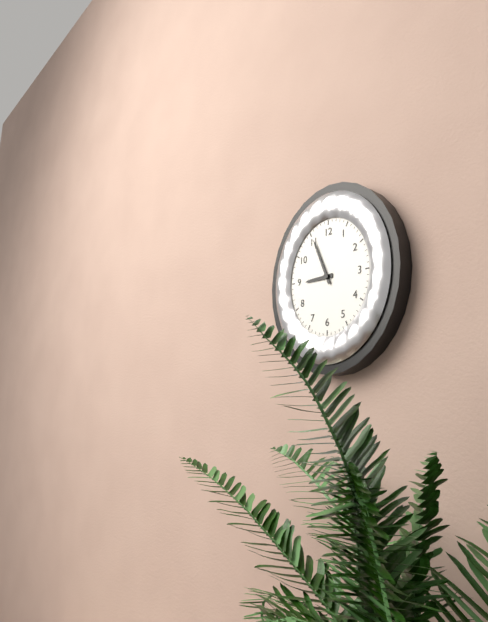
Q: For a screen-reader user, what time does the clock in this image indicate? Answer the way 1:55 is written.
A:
8:56
